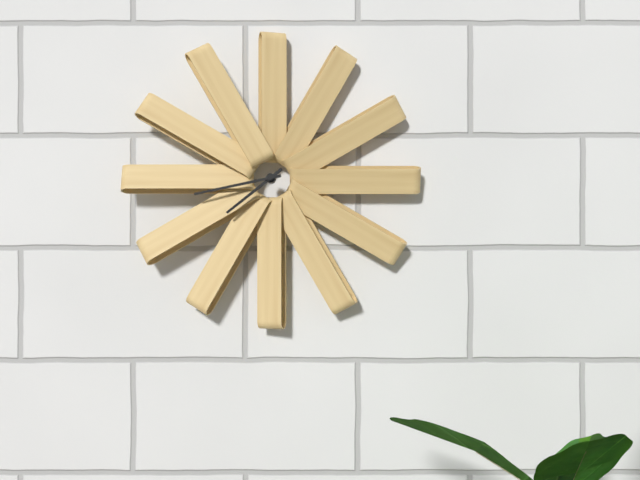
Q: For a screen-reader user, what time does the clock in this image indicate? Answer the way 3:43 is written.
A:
7:43
